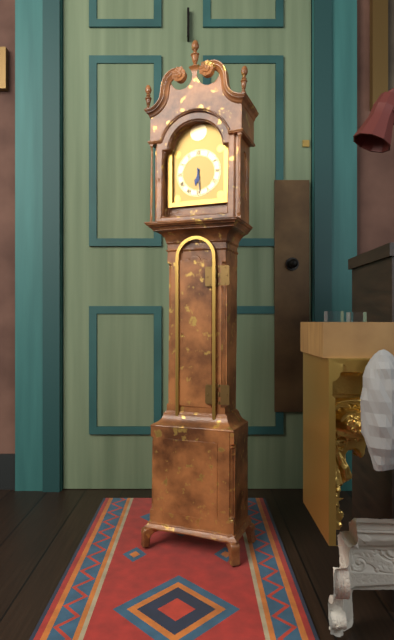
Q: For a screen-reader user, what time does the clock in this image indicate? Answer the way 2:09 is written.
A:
6:29
